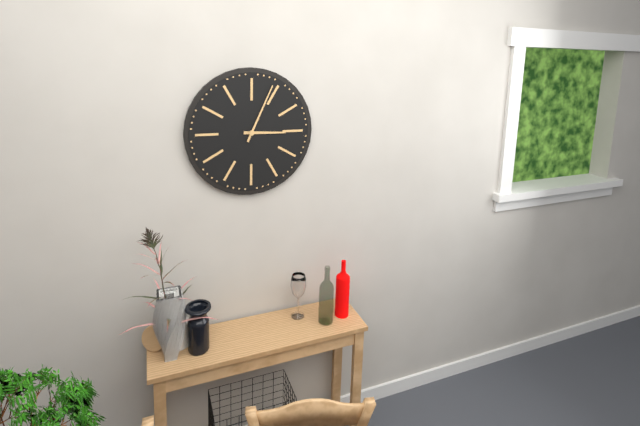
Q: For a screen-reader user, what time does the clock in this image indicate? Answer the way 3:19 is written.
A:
3:04
